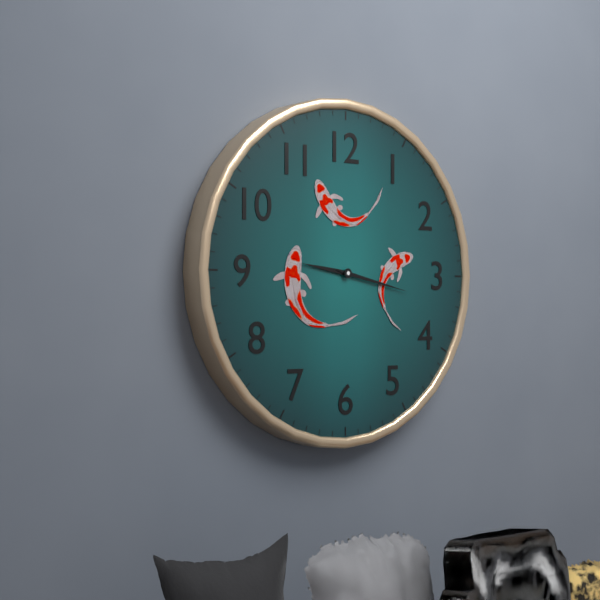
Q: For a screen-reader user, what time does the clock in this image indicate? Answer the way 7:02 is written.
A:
9:17
